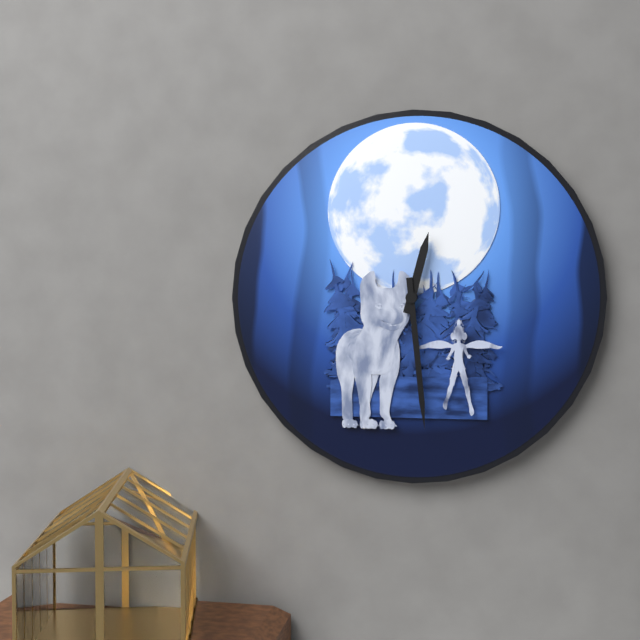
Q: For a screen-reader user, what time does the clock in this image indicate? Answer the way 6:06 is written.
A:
12:29
